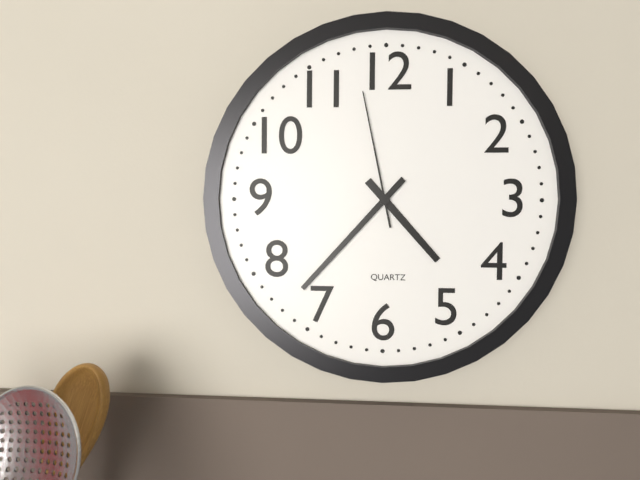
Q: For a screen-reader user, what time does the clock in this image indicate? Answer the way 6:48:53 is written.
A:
4:37:58
